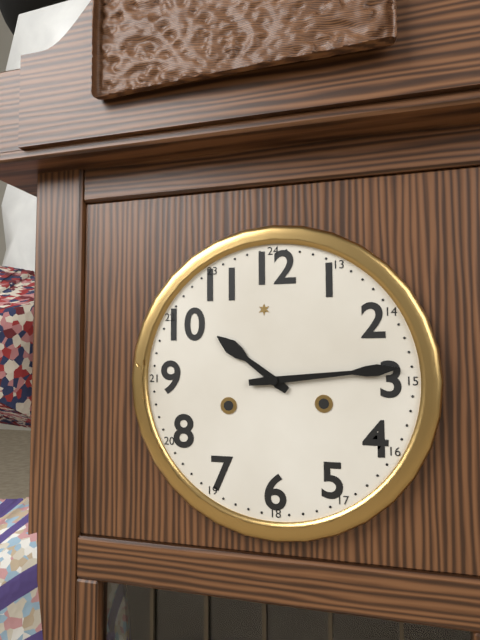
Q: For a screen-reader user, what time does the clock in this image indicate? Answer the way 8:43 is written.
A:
10:14
